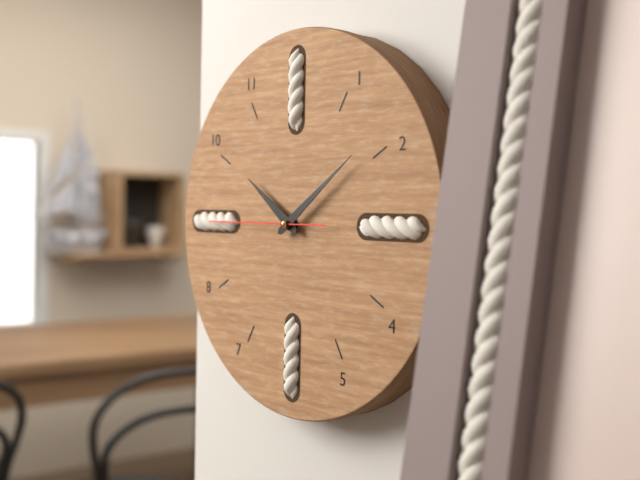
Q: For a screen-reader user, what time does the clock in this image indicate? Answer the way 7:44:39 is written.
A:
10:09:45
